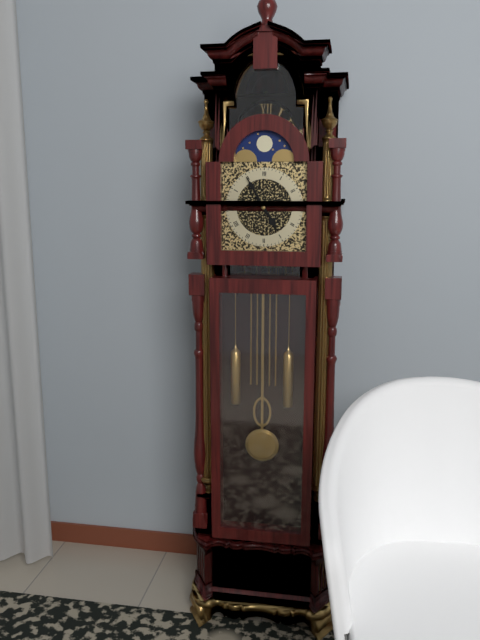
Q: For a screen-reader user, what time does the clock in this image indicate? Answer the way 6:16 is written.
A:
4:55
